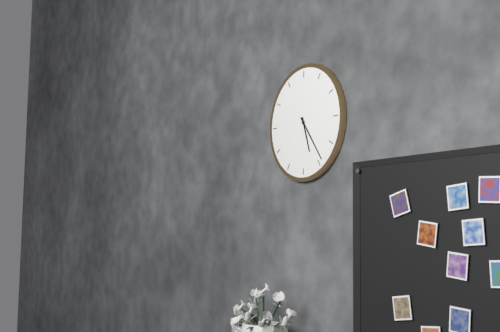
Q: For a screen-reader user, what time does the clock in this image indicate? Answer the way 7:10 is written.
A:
5:24
